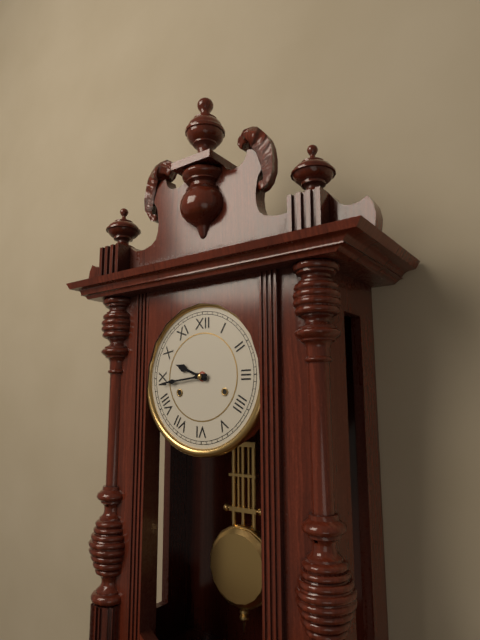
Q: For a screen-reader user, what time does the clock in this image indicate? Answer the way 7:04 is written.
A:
9:44
